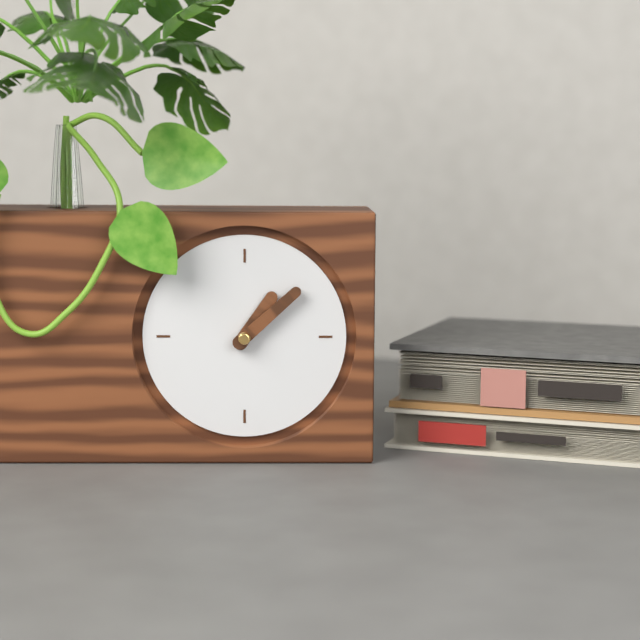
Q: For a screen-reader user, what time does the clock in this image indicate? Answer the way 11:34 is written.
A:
1:08
